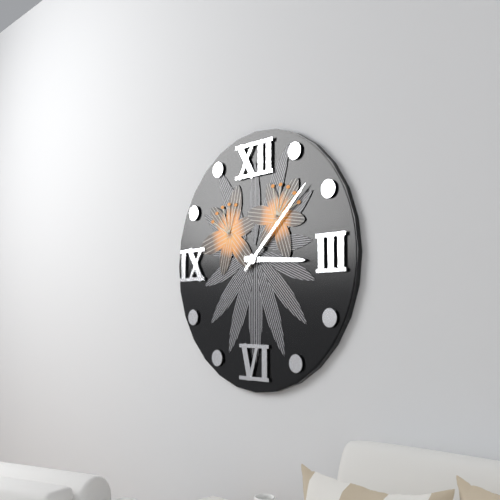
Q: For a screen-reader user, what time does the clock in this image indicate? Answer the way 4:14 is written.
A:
3:08
